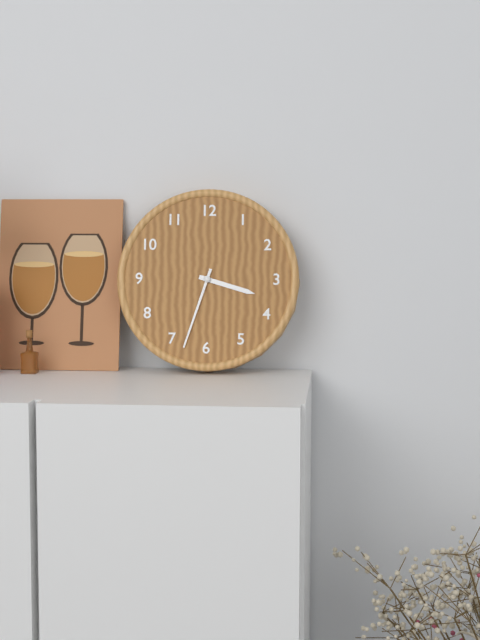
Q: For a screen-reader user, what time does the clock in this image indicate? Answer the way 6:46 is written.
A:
3:33
